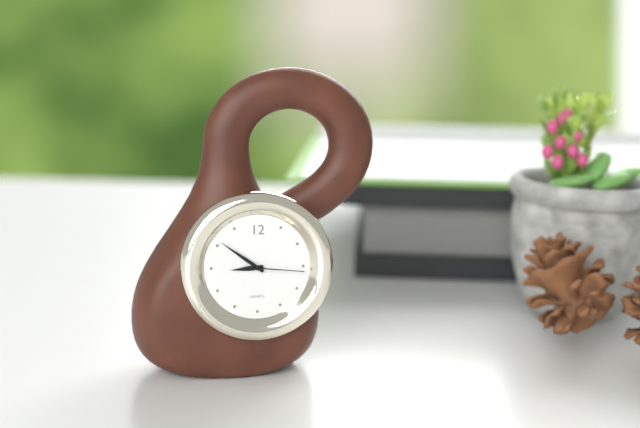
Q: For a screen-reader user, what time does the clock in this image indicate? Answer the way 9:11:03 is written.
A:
8:51:16
